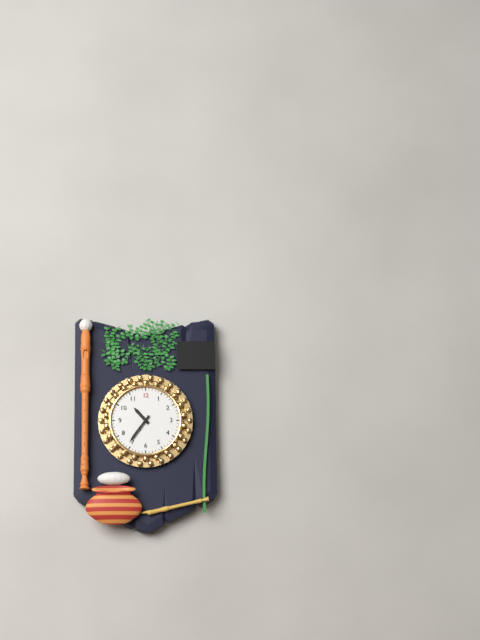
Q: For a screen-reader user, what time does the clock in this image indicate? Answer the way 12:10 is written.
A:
10:36
